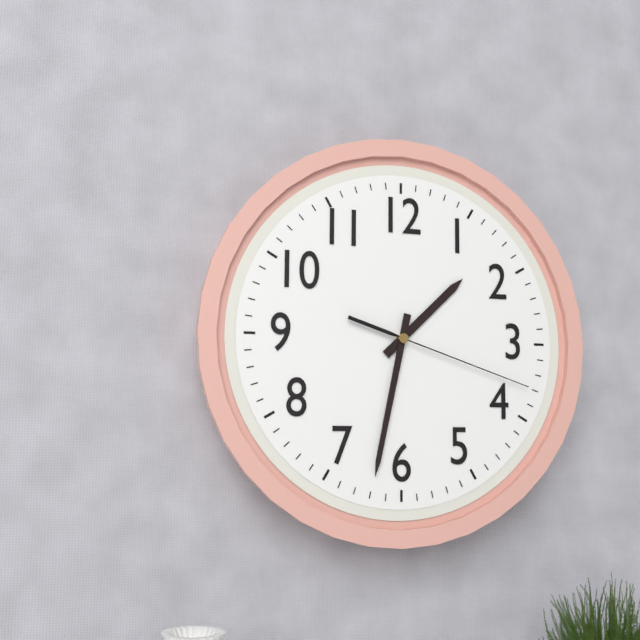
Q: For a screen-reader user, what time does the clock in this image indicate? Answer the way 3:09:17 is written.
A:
1:32:18
